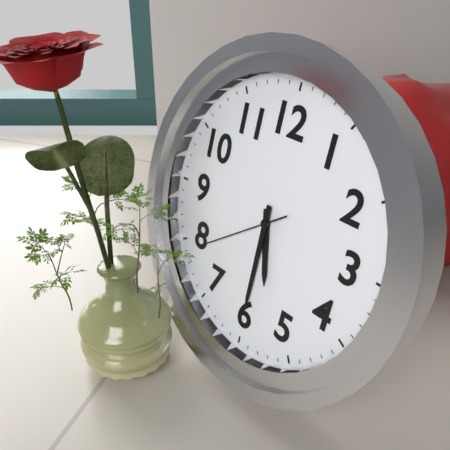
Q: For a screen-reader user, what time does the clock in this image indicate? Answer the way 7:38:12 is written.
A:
5:30:39
